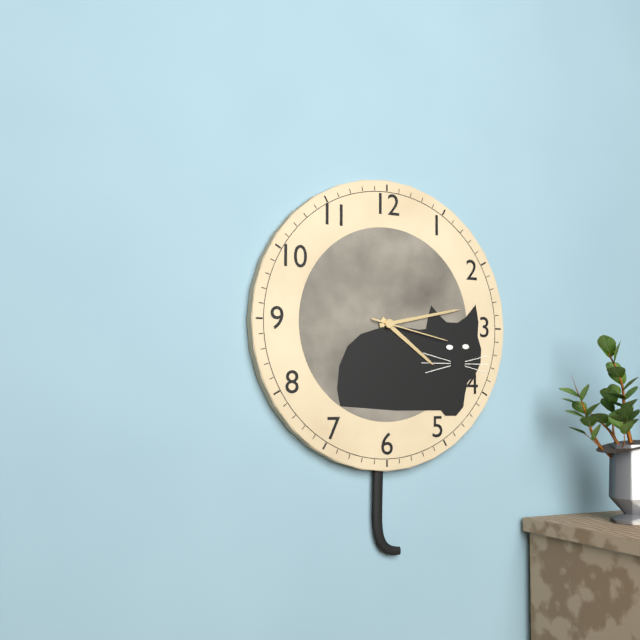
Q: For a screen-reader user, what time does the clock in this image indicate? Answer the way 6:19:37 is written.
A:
4:13:17
